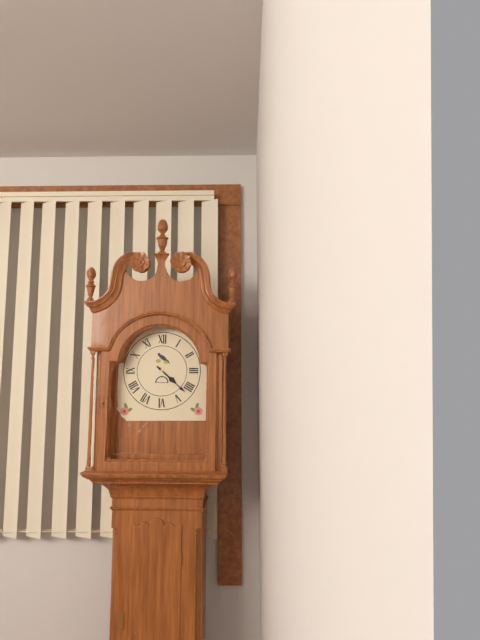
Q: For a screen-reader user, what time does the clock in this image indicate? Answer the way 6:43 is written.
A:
4:22
